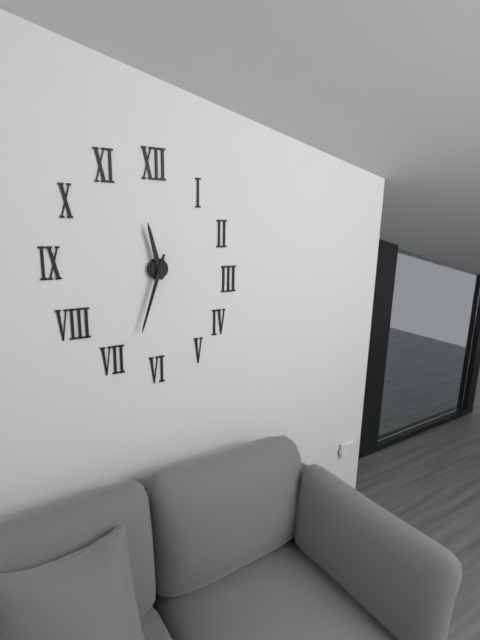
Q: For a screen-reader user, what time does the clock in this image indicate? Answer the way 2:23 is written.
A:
11:33
